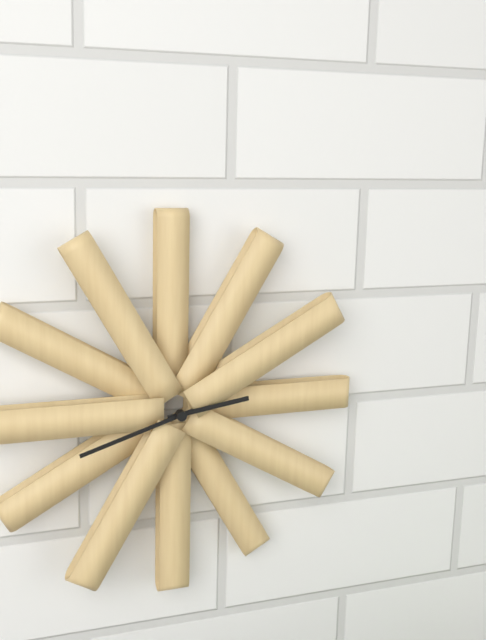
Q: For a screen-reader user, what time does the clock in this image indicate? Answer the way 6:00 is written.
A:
2:42
